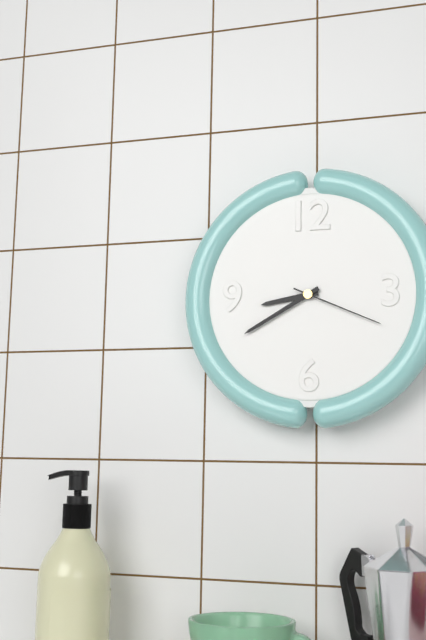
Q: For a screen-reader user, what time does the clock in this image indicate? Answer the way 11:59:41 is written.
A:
8:40:19
